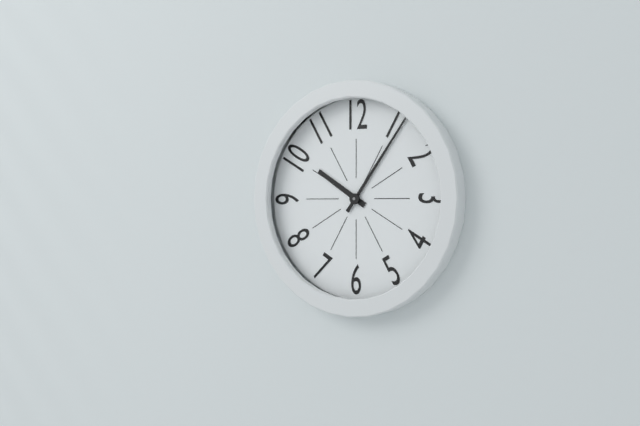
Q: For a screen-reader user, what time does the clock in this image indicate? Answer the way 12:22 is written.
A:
10:06
